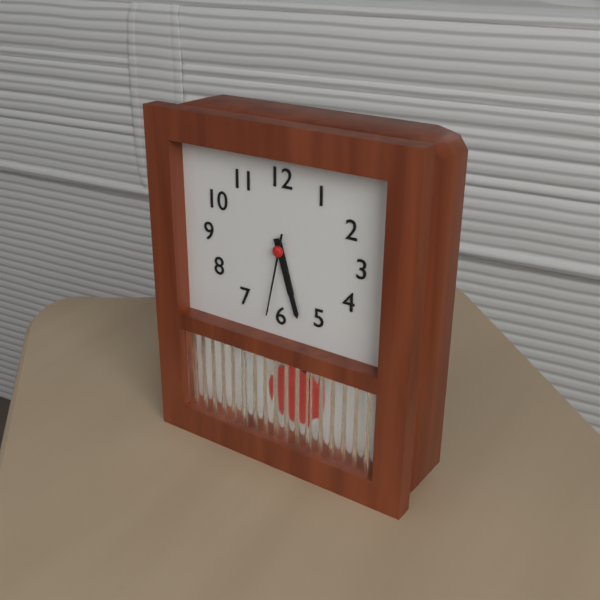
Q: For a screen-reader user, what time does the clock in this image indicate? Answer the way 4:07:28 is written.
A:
5:27:32
